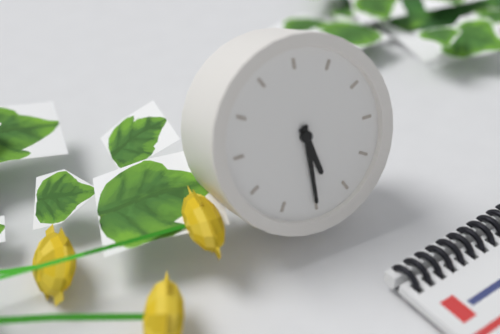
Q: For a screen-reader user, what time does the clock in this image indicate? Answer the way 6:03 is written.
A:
5:30
